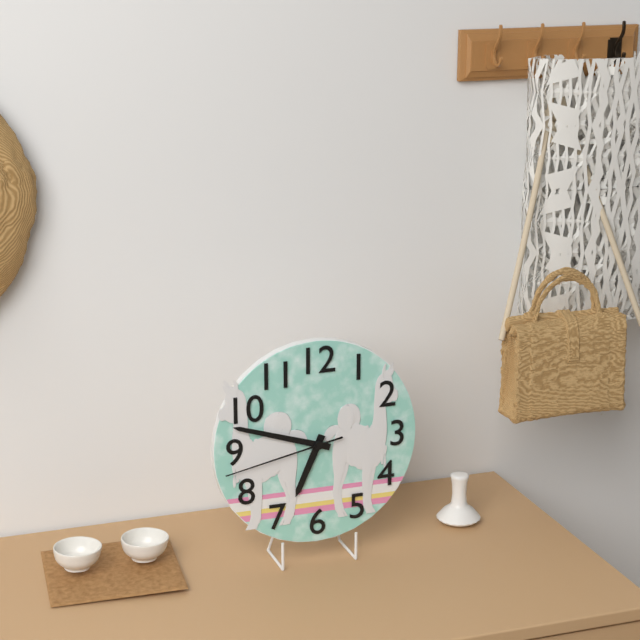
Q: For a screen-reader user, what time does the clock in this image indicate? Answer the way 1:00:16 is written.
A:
6:48:43
